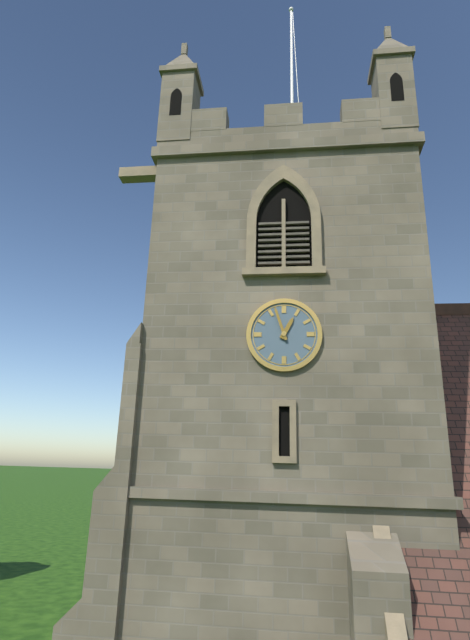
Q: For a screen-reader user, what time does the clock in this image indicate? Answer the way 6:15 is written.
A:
12:57
